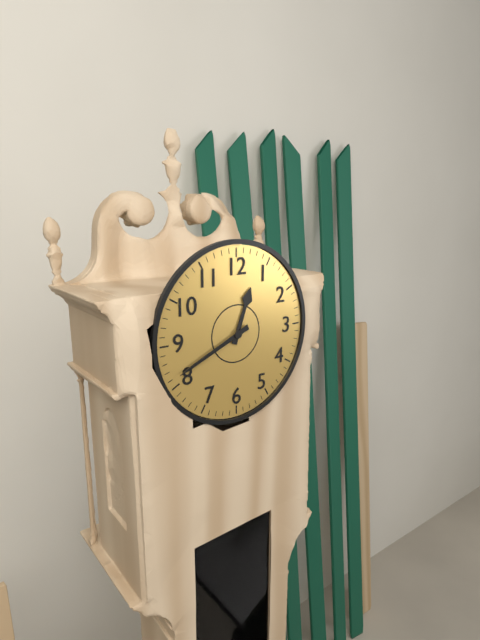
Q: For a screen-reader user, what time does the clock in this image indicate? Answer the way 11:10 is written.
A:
12:41
